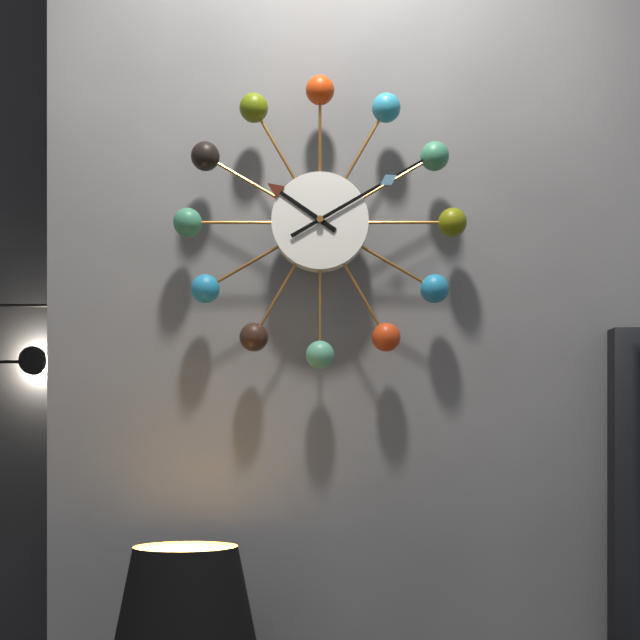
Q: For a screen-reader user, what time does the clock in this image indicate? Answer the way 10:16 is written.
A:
10:10
